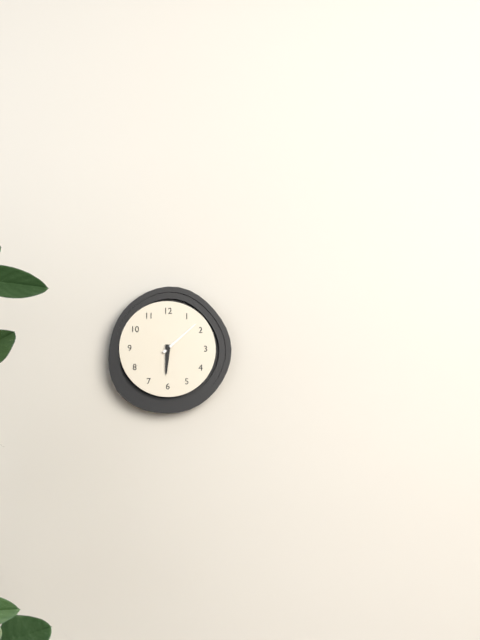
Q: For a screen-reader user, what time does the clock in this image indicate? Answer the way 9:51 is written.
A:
6:08
